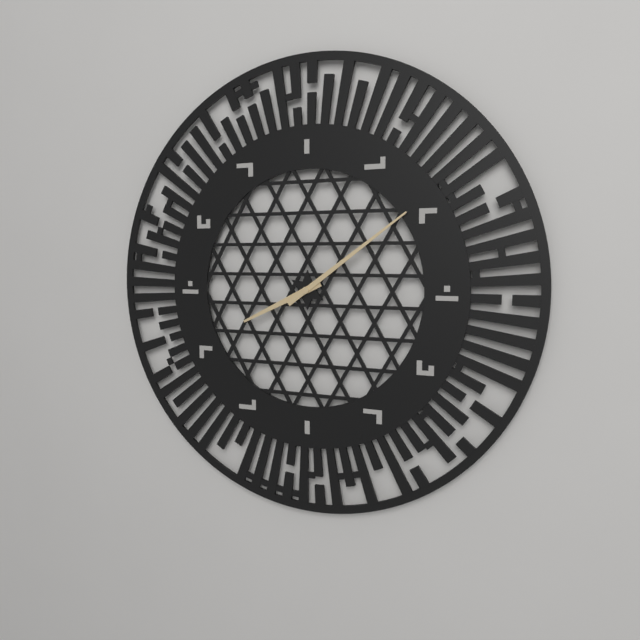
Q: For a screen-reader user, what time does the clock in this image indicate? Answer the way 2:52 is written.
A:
8:09
